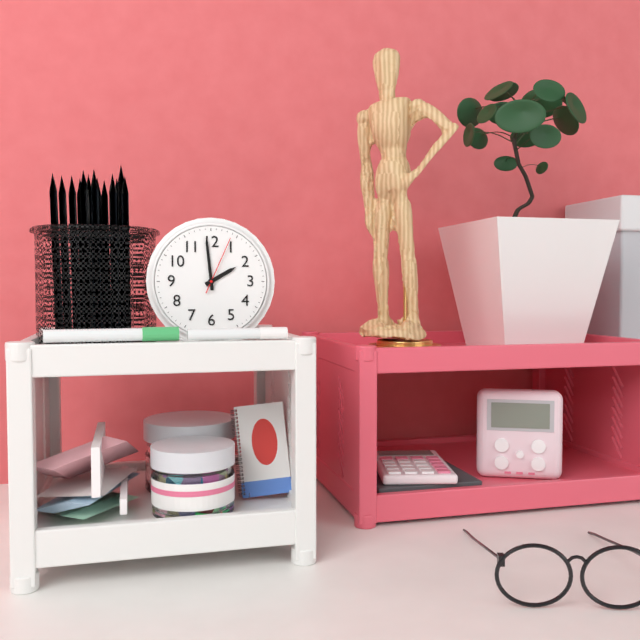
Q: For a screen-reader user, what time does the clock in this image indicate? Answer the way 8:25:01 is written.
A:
1:59:04
